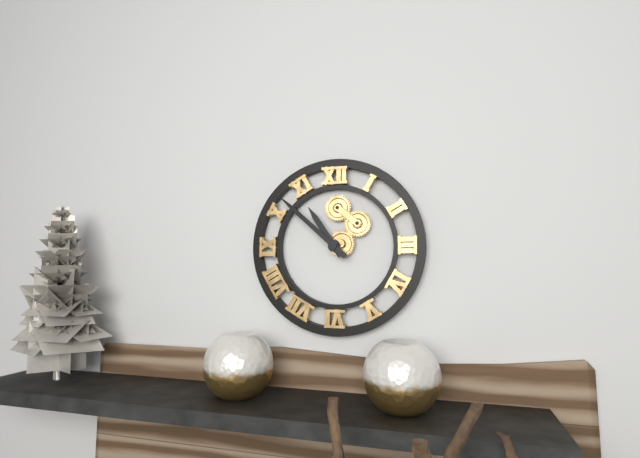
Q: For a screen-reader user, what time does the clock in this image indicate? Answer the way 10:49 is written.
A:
10:52
